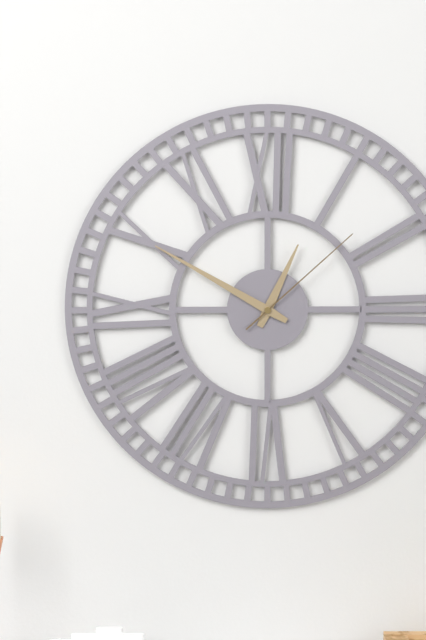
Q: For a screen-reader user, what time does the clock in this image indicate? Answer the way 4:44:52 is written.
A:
12:50:08
